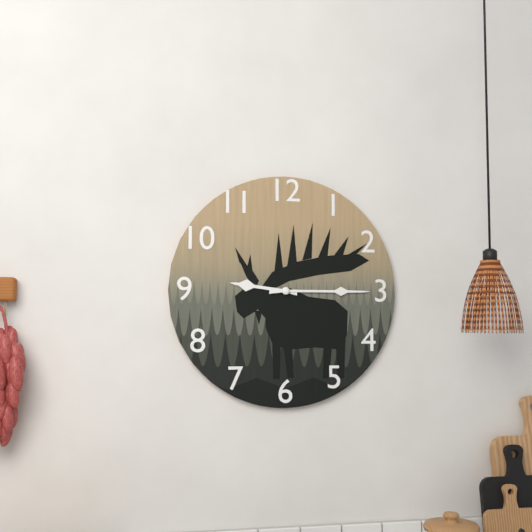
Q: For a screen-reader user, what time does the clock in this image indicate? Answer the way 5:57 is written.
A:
9:15
